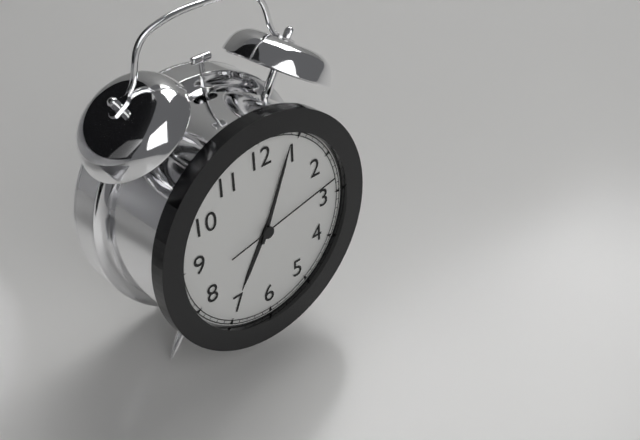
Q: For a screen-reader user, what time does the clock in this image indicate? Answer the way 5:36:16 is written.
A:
7:04:13
